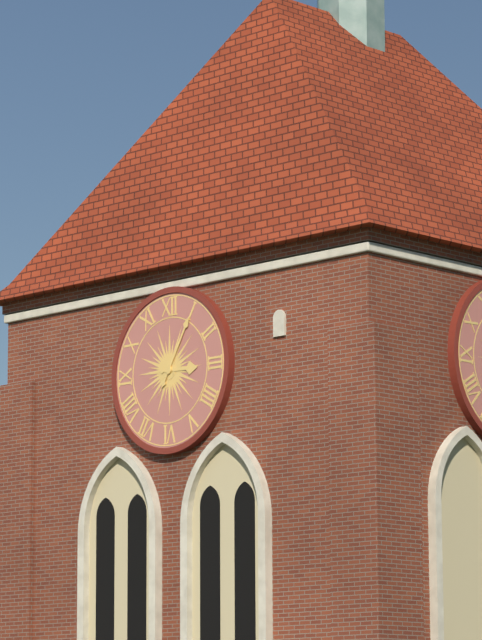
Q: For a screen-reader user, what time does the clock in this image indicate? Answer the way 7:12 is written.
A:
3:05
